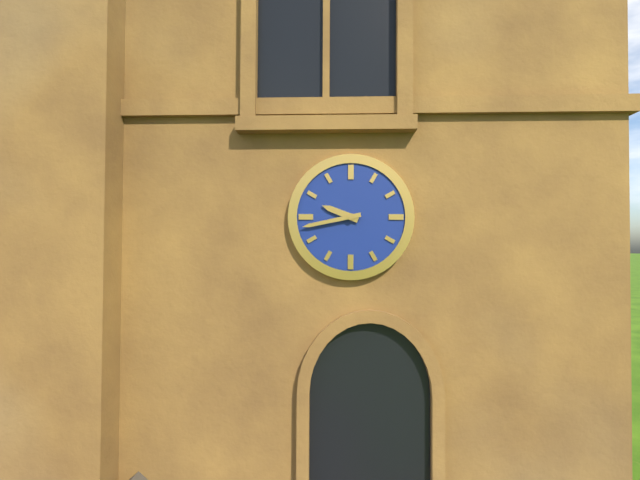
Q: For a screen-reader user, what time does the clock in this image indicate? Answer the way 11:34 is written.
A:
9:43
